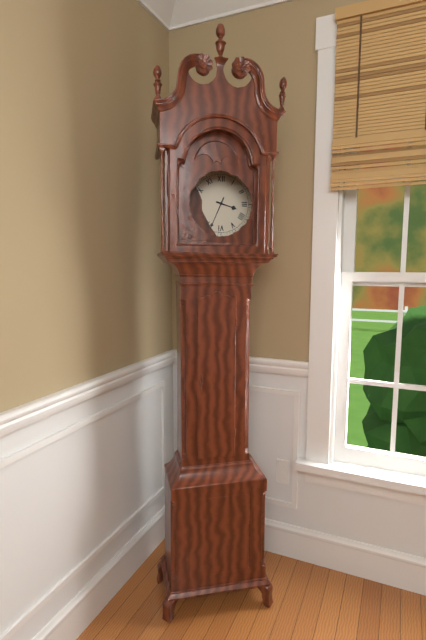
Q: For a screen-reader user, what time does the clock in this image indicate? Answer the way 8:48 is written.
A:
3:34
